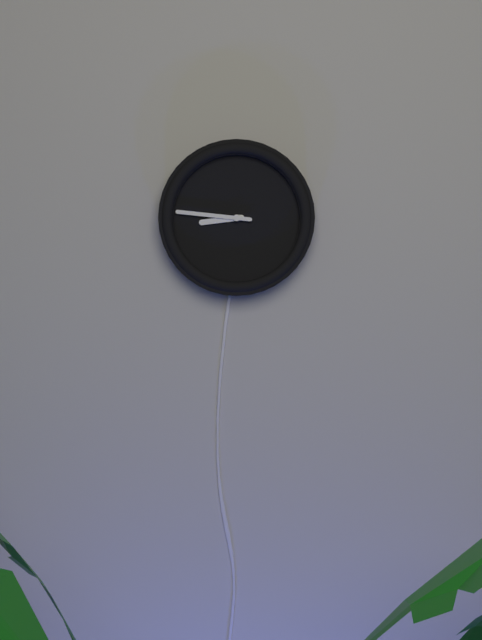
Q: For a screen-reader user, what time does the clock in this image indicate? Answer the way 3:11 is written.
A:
8:46
